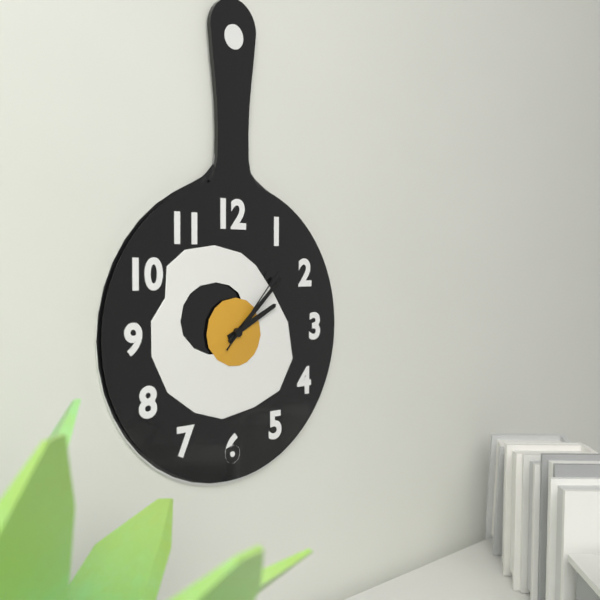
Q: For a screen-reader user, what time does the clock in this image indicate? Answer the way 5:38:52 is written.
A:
2:08:07
